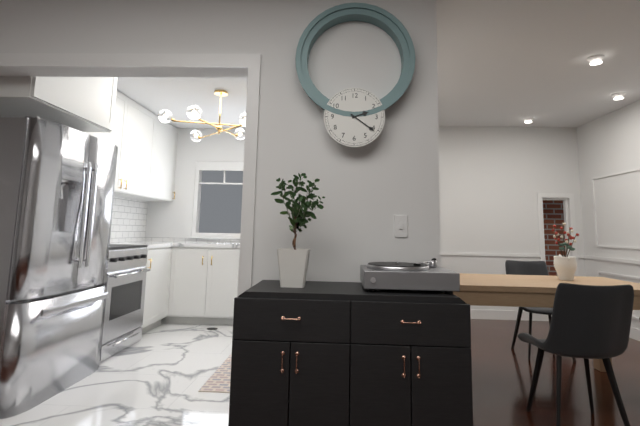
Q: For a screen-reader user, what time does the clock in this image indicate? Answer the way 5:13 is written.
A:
2:21
